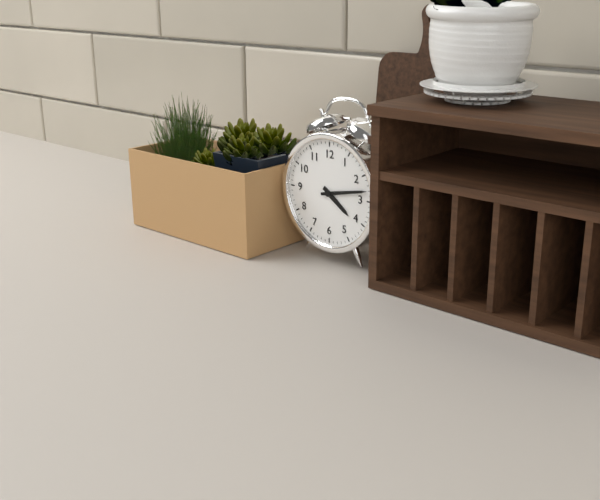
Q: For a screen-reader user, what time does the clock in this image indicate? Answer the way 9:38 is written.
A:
4:13
